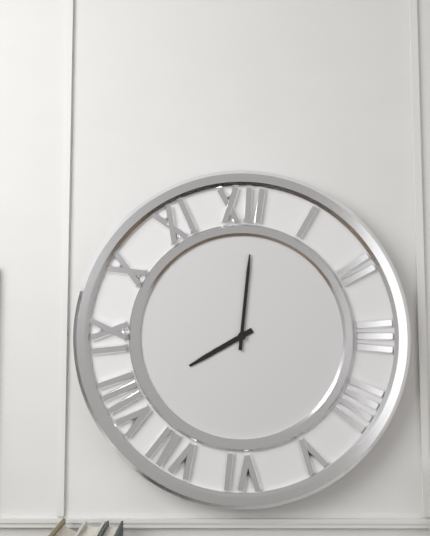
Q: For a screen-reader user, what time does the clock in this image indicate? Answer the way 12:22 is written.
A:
8:01
